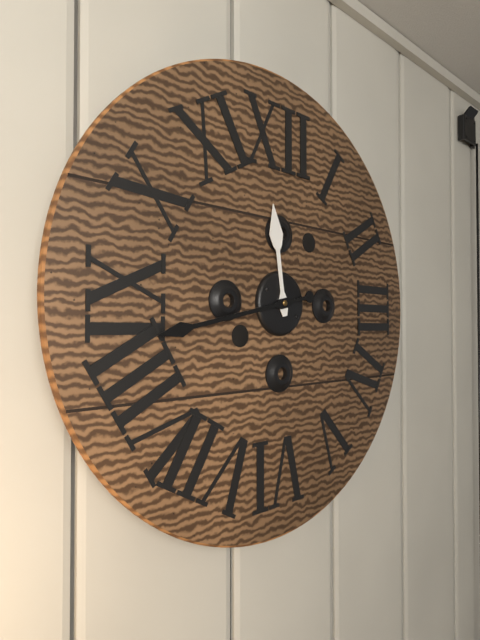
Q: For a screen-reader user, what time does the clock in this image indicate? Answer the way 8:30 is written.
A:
11:43
